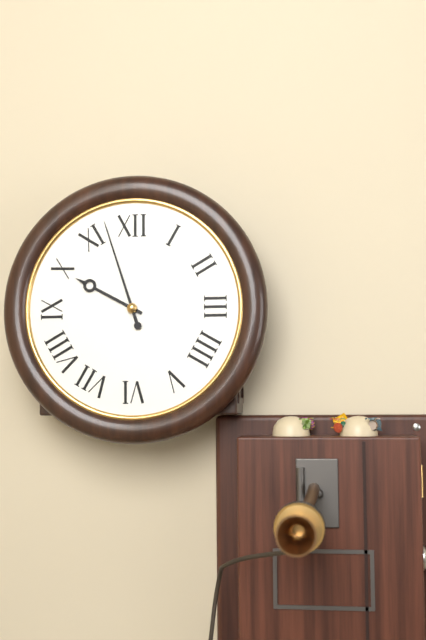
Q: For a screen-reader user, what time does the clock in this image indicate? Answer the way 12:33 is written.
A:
9:57
